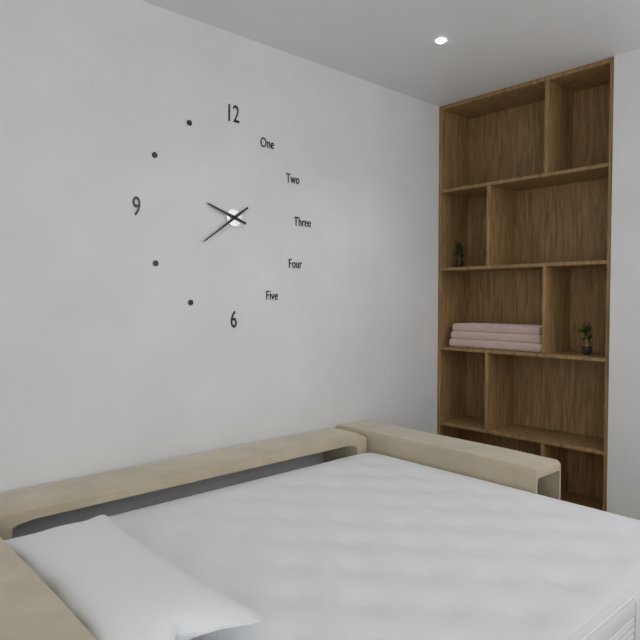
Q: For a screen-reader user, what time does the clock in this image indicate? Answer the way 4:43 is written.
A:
9:39
